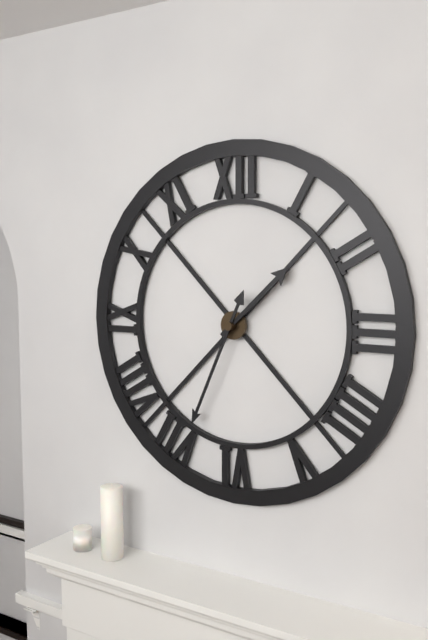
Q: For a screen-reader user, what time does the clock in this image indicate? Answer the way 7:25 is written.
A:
1:34
